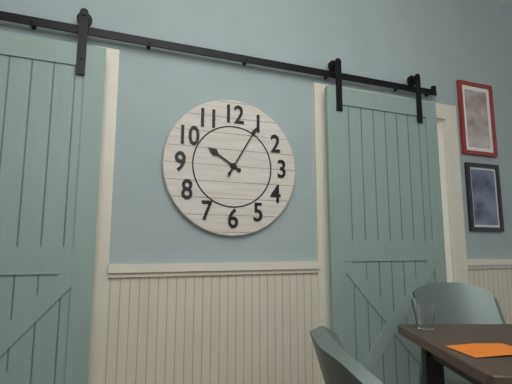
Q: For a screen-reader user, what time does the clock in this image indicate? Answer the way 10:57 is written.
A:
10:05
